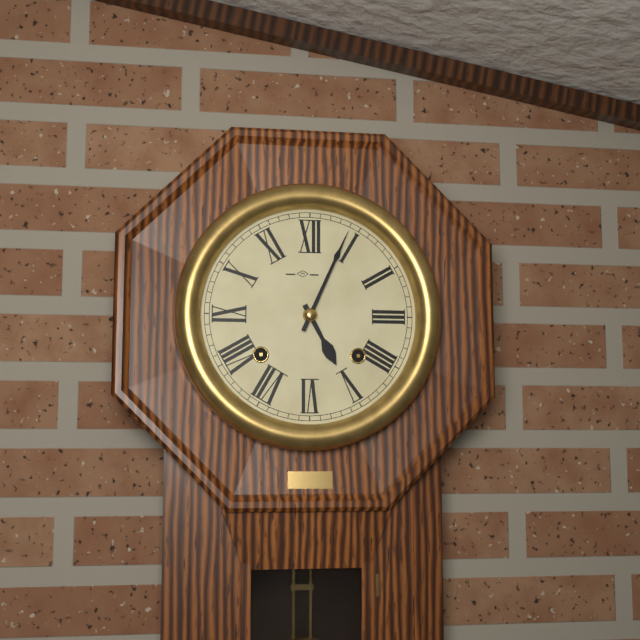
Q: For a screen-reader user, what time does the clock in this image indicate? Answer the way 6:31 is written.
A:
5:04
